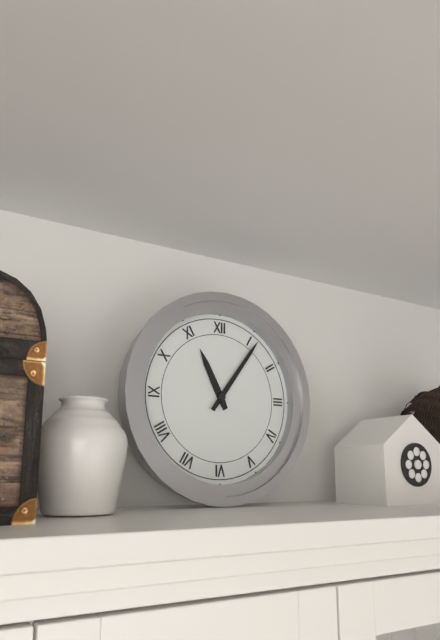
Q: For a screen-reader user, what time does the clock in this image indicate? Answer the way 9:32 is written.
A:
11:06
